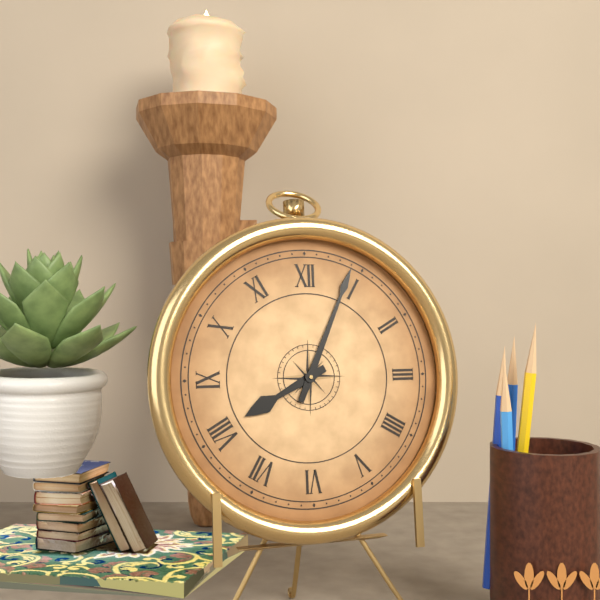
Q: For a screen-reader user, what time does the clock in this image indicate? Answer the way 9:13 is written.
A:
8:04
